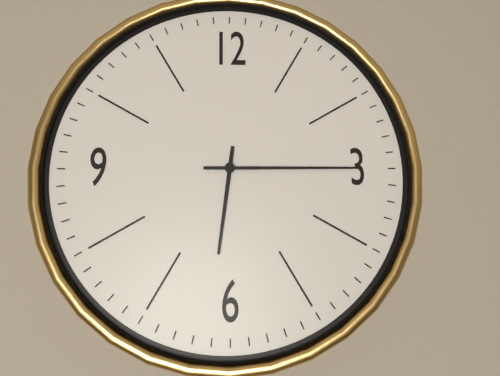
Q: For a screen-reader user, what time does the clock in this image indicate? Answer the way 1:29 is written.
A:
6:15
